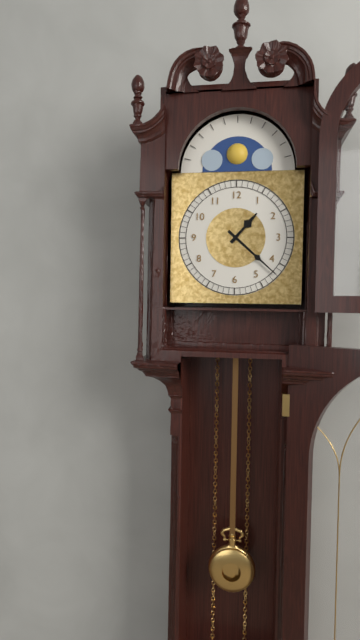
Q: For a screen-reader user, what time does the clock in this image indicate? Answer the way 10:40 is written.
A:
1:22
